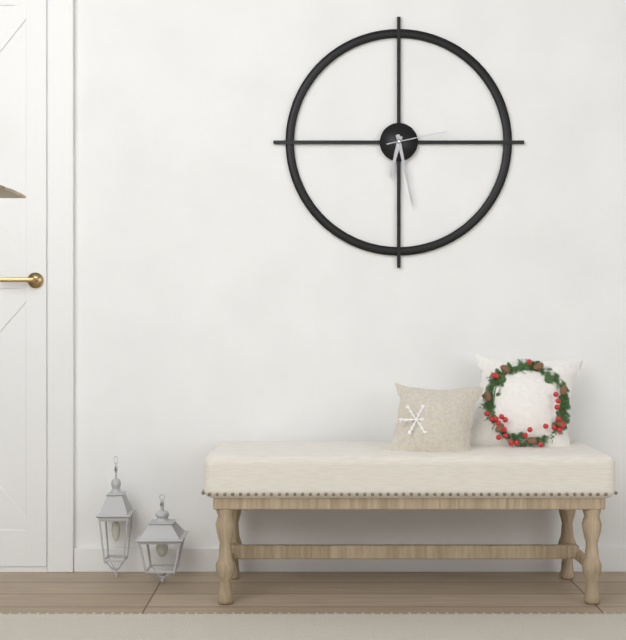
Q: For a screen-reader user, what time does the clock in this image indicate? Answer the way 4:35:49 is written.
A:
6:28:13
